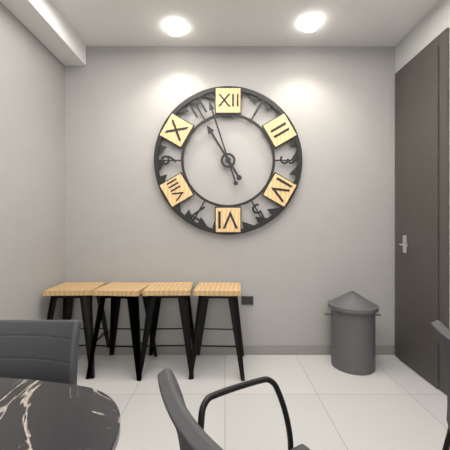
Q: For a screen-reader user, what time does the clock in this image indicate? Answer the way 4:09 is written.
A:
10:57
